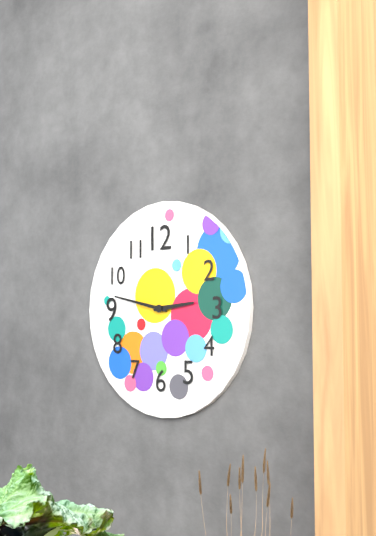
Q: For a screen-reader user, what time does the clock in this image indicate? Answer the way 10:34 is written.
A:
2:47
